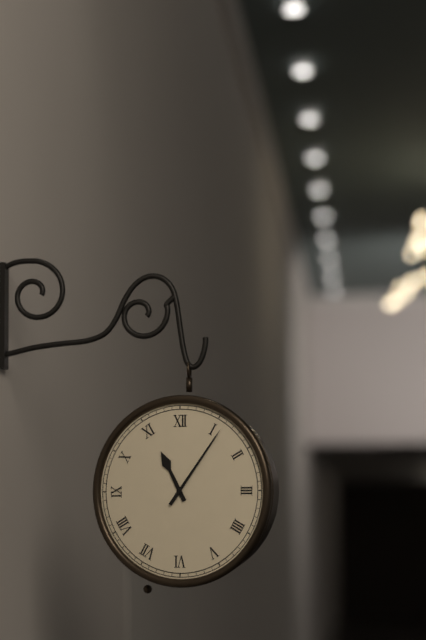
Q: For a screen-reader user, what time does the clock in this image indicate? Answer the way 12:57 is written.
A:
11:06
